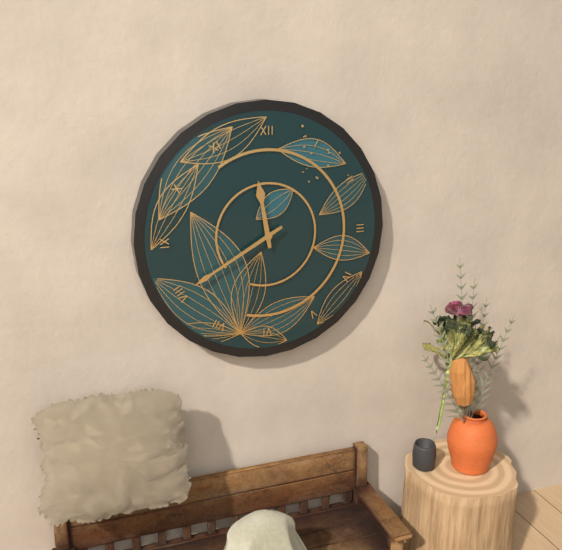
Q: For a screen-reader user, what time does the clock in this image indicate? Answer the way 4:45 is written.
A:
11:40
